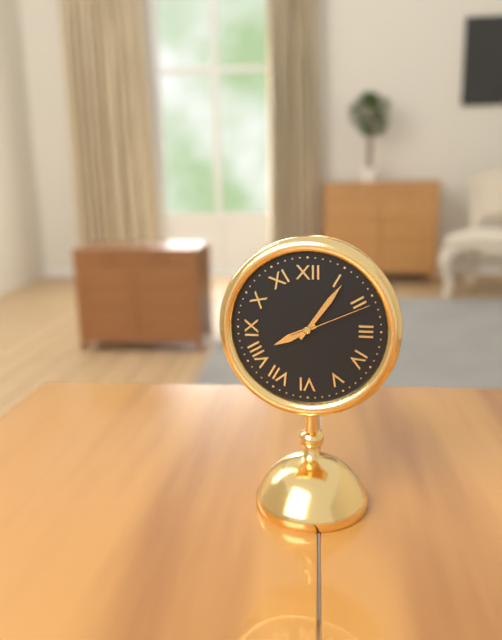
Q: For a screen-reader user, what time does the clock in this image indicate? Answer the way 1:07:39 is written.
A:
8:06:11
